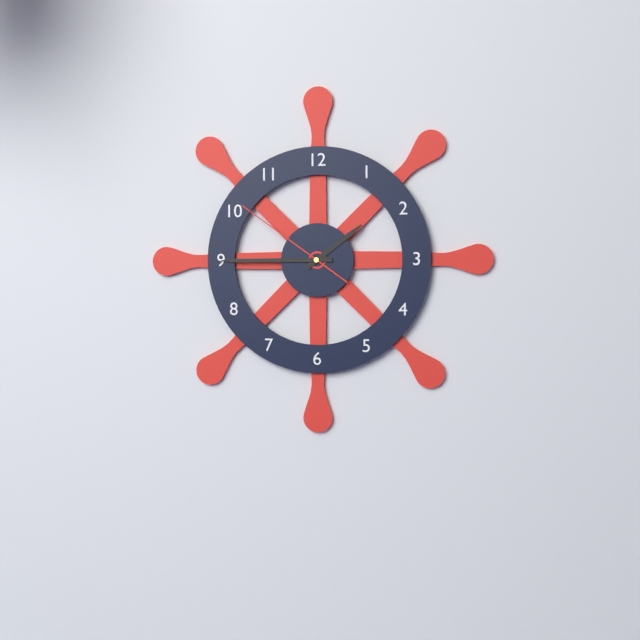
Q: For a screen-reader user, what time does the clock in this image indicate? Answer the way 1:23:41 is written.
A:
1:45:51
